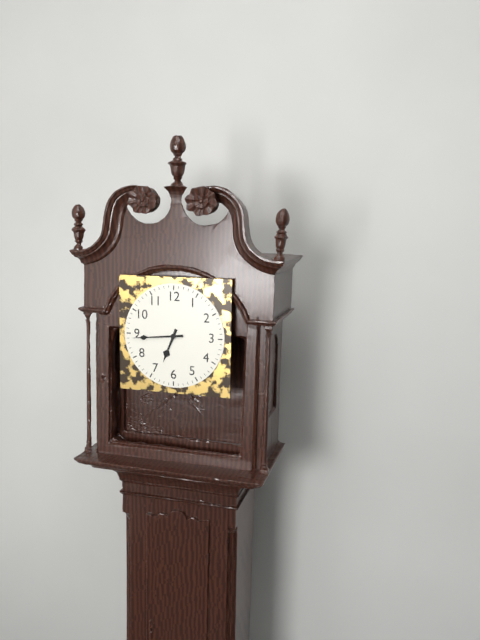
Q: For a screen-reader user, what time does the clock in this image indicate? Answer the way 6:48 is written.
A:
6:44
